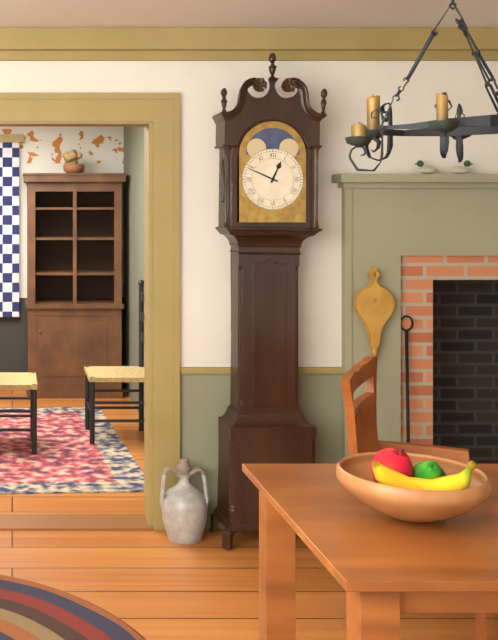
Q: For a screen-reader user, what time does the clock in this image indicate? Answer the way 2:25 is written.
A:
12:49
